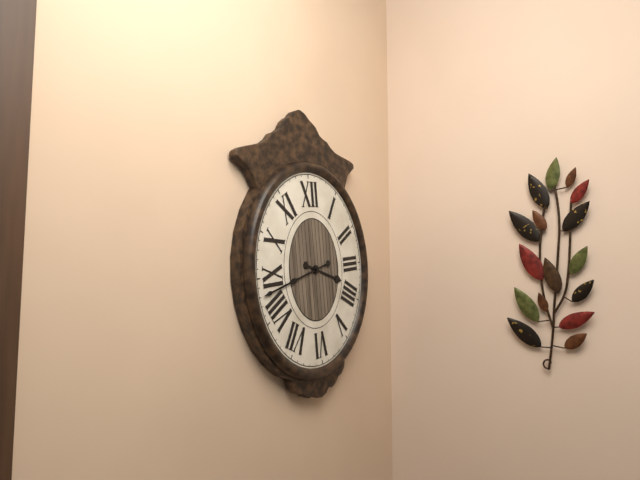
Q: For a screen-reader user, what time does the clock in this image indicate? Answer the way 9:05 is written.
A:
3:43
